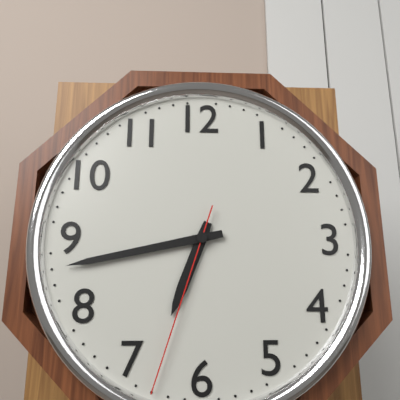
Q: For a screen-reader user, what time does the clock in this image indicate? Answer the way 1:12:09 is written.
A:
6:43:33
